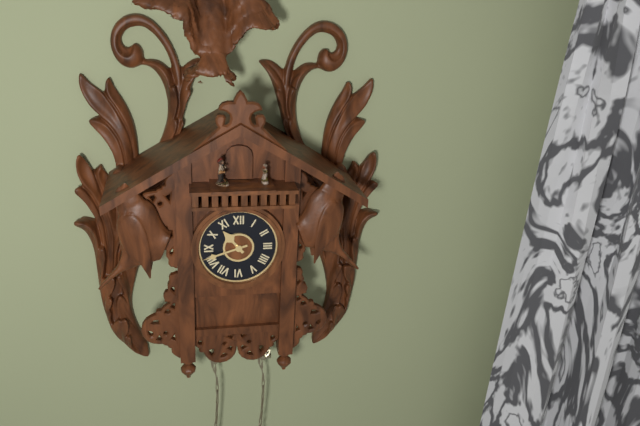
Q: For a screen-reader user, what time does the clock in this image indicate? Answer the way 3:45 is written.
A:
10:42
